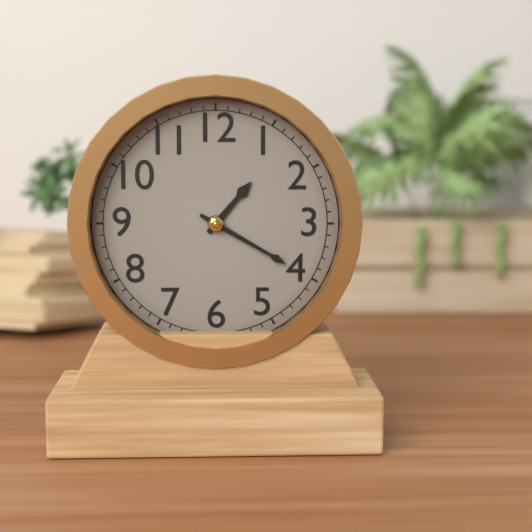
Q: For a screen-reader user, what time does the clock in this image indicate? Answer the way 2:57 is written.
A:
1:20
